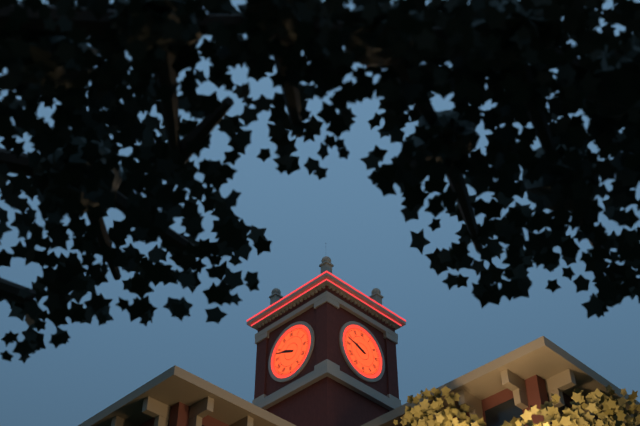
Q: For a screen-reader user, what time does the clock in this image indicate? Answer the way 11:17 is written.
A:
9:48
